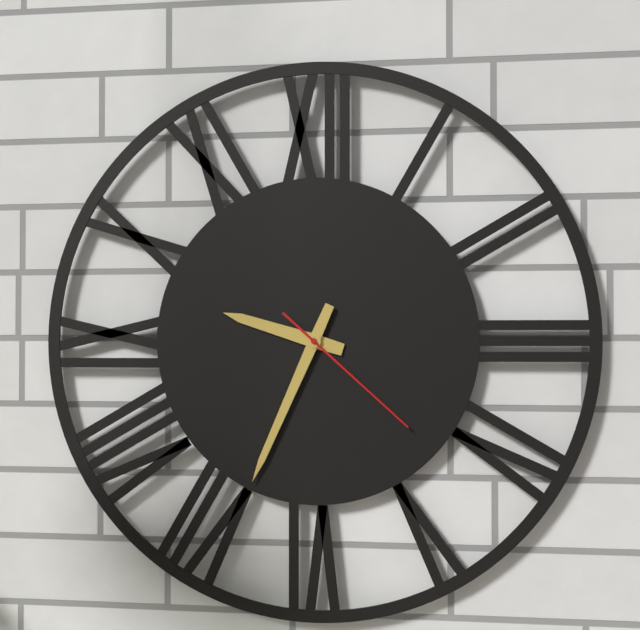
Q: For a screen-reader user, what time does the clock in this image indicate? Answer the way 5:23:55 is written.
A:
9:34:22
